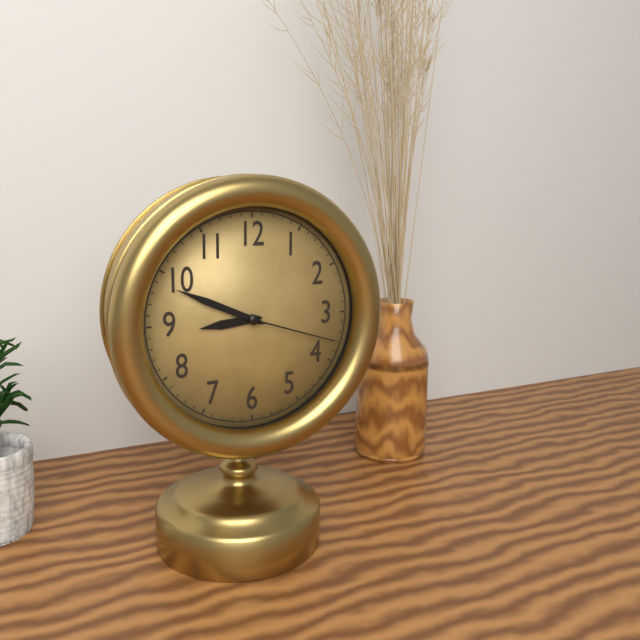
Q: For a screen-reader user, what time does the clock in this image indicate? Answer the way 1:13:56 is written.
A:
8:49:18
